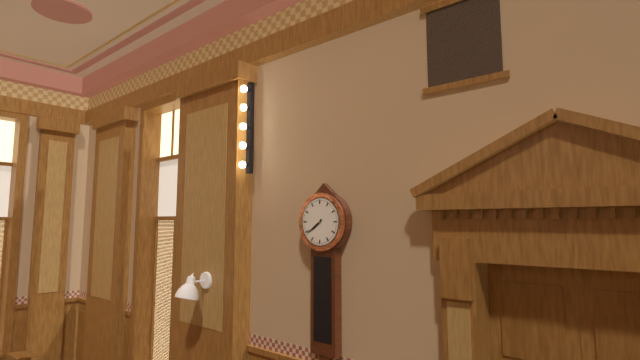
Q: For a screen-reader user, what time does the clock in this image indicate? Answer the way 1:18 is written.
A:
7:39
